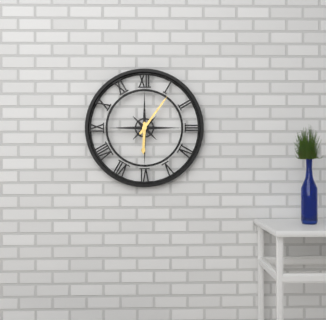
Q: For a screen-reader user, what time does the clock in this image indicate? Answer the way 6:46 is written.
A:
6:06
